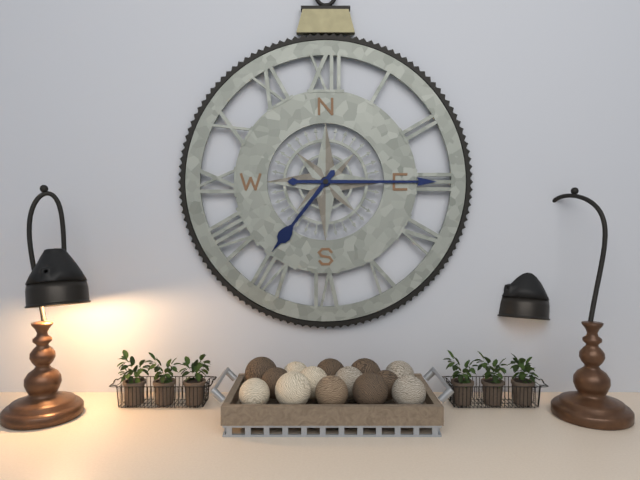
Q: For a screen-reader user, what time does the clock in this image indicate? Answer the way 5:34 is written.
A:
7:15
